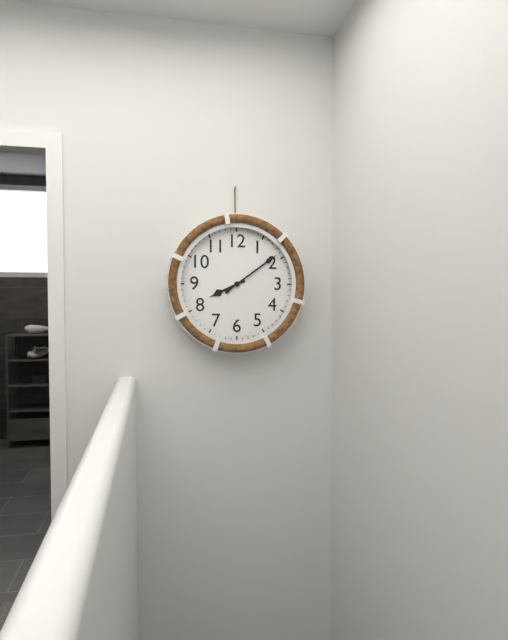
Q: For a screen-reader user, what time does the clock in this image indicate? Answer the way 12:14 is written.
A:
8:09
